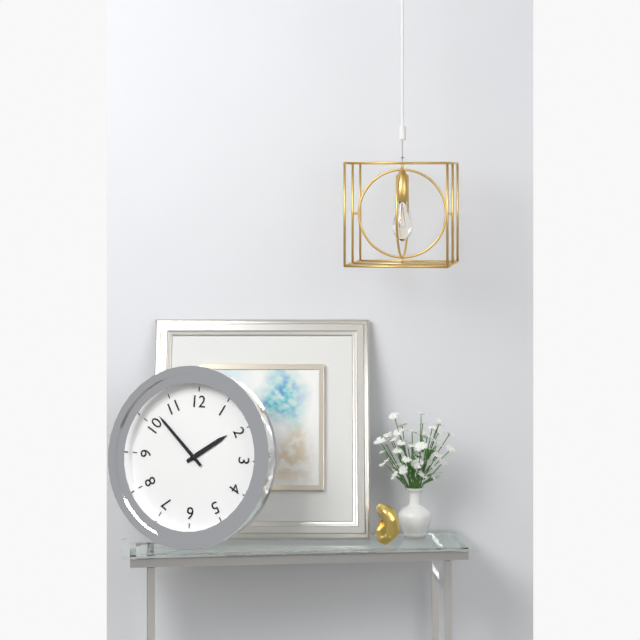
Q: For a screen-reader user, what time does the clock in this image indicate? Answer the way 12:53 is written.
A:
1:52
